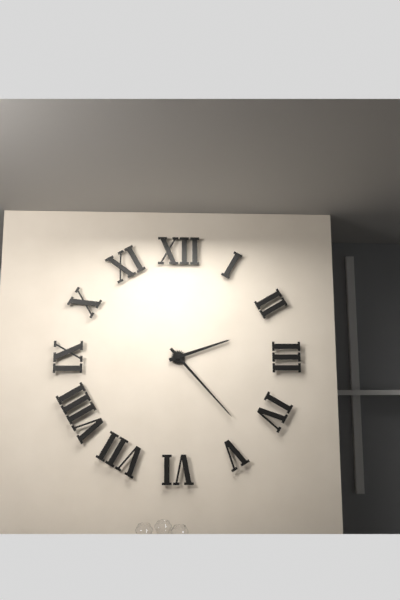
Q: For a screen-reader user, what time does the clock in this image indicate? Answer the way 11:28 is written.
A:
2:23
